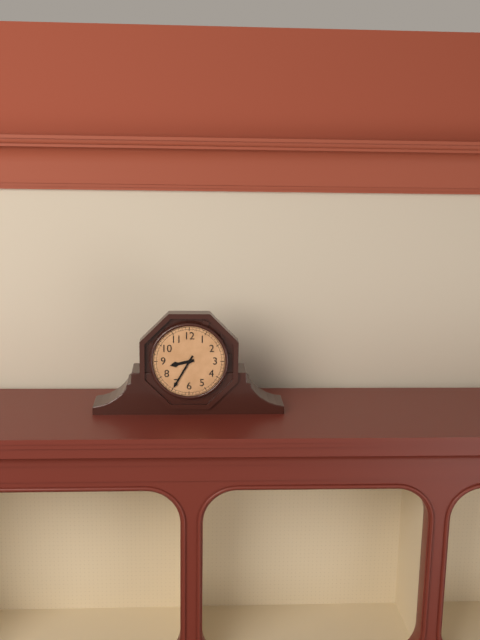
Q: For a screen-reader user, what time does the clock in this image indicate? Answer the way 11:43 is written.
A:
8:35
